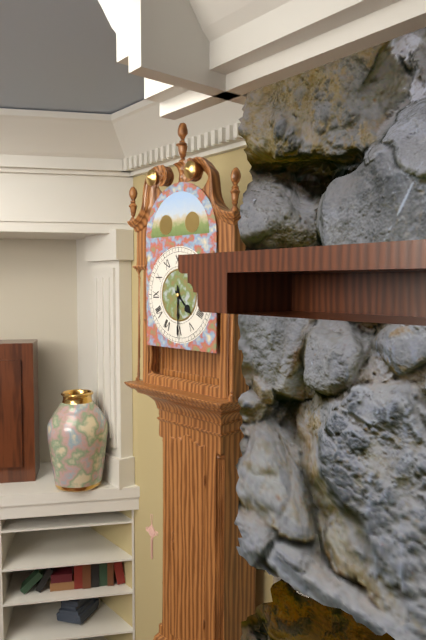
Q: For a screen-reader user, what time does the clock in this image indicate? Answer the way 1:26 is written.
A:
4:30
